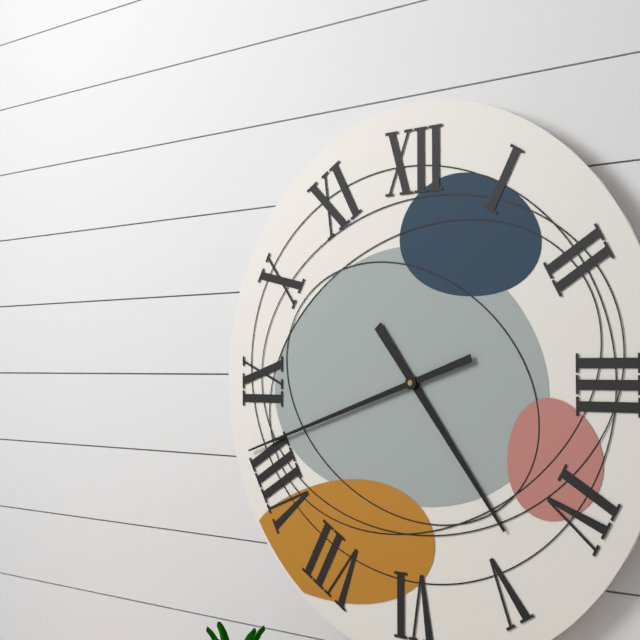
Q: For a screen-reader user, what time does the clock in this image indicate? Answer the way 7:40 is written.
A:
4:42
